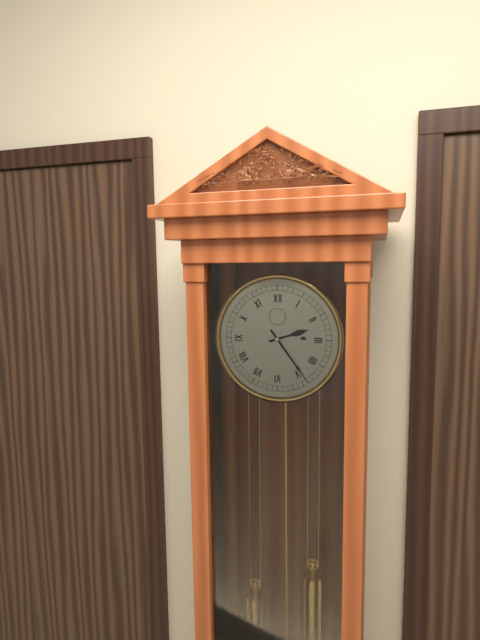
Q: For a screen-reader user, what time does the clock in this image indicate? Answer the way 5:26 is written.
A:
2:24
